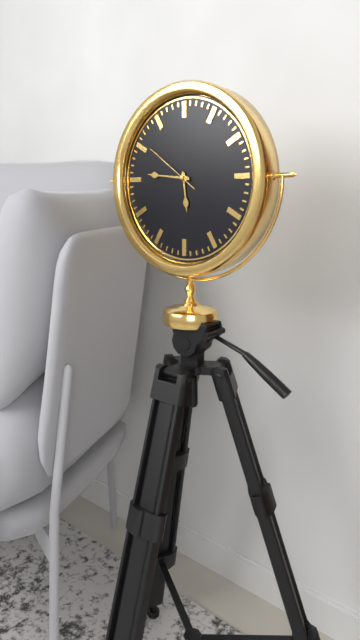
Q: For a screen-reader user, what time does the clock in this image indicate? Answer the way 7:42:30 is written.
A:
5:46:51
